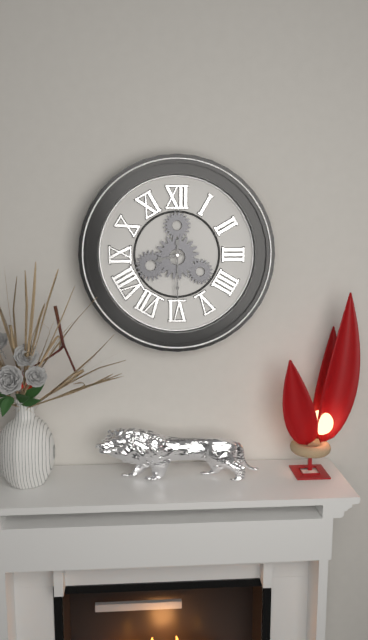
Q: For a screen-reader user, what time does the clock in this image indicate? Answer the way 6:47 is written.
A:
8:30
